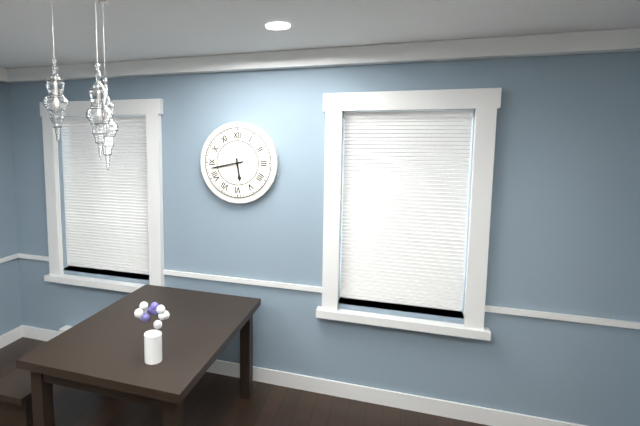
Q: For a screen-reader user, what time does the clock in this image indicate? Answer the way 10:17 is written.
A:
5:43
